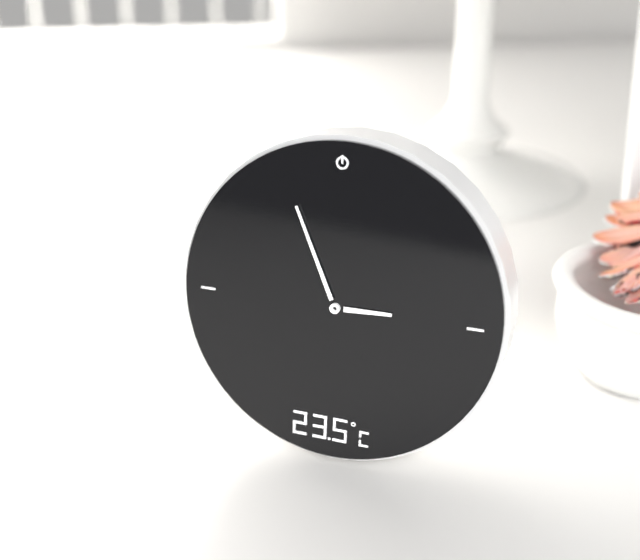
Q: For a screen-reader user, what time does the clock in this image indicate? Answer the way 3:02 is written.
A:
2:56
